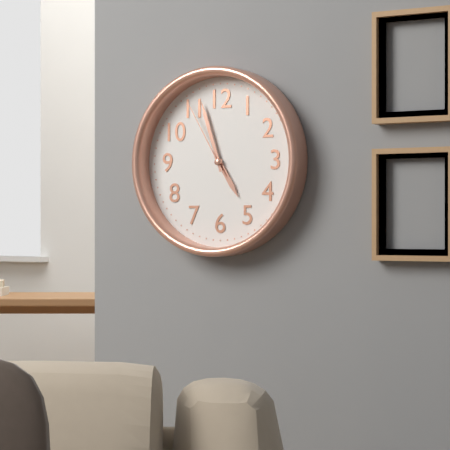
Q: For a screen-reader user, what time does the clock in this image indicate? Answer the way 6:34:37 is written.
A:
4:57:55
